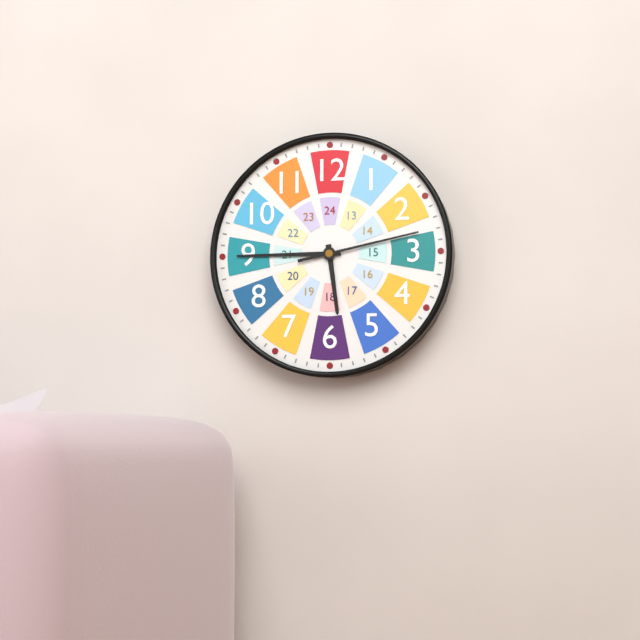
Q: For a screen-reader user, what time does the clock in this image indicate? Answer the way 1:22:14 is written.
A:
5:45:13
